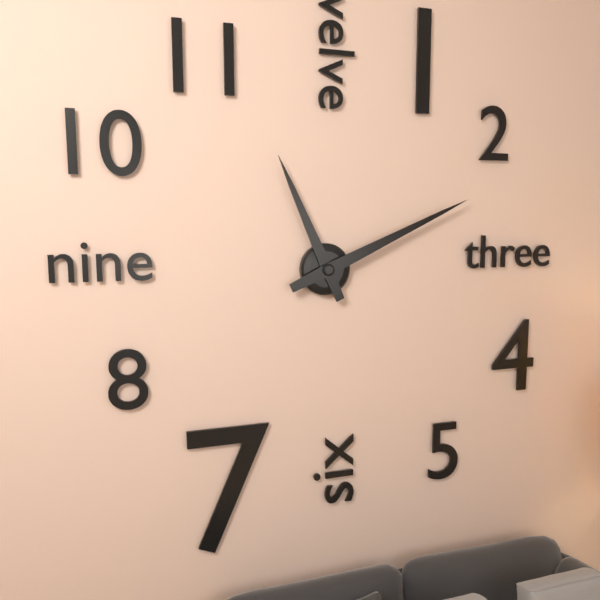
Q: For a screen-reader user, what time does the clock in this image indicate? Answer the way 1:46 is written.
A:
11:11
